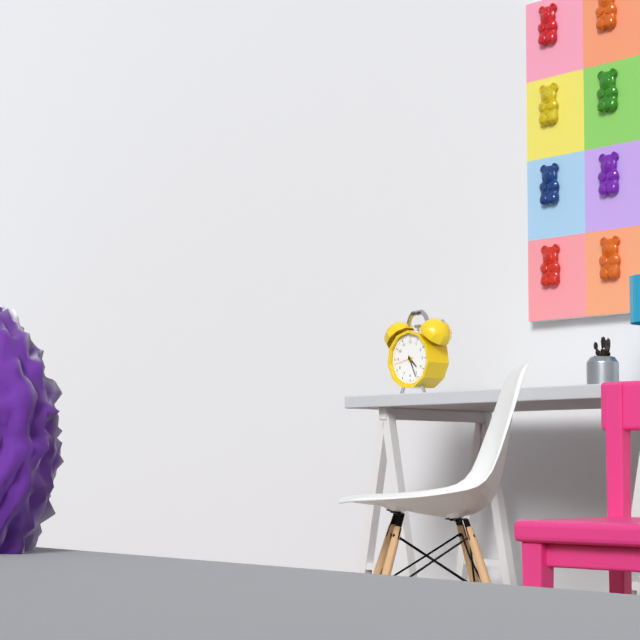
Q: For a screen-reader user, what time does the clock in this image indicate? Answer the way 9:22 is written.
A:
4:26
